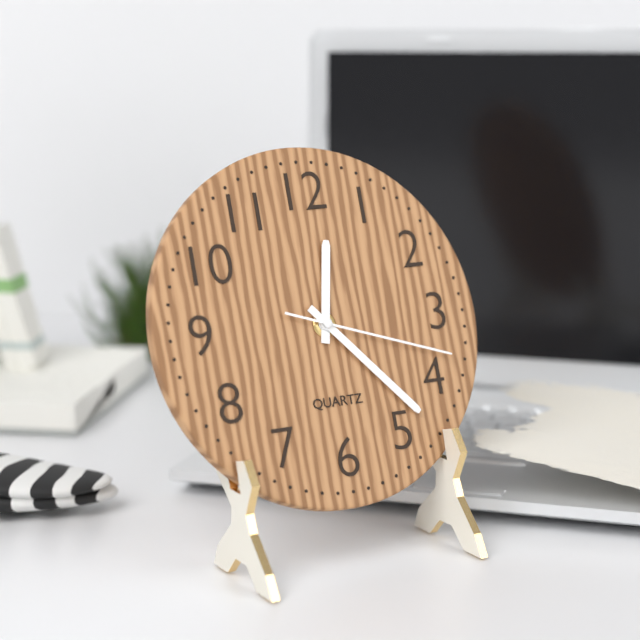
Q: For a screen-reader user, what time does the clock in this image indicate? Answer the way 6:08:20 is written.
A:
12:23:18
